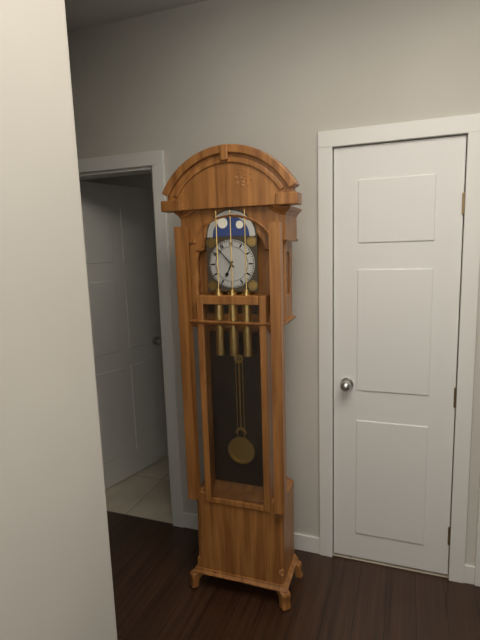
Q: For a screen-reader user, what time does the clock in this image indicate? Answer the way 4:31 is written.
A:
6:53
